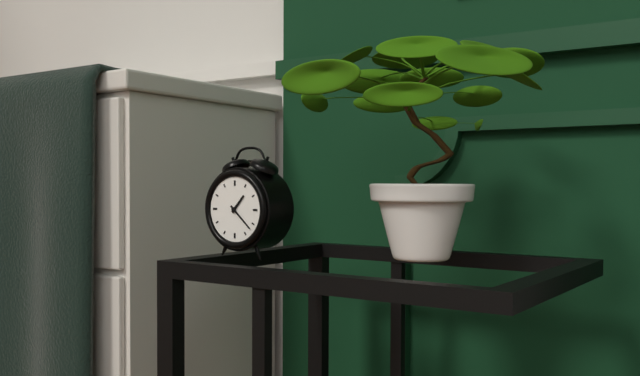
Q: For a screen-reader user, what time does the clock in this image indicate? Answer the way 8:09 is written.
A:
1:22
